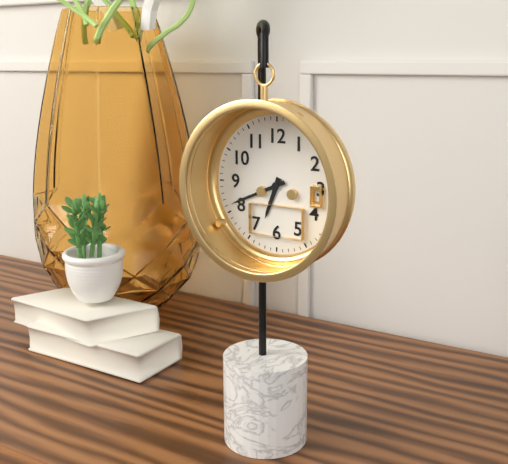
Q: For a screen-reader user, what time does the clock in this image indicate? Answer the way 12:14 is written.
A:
6:41
